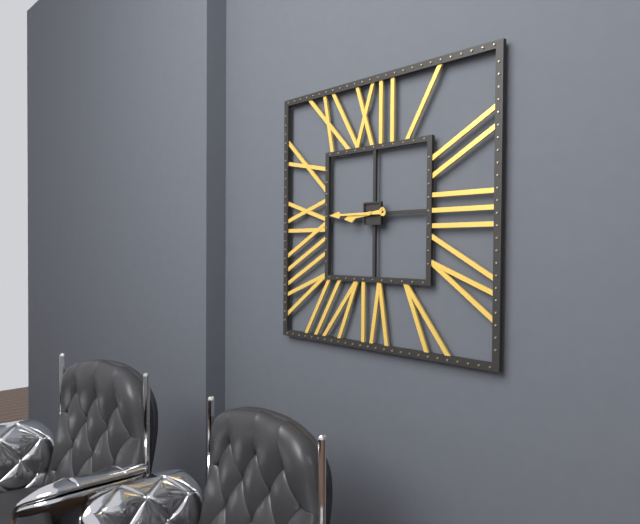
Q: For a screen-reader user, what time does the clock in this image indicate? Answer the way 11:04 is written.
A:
8:45
